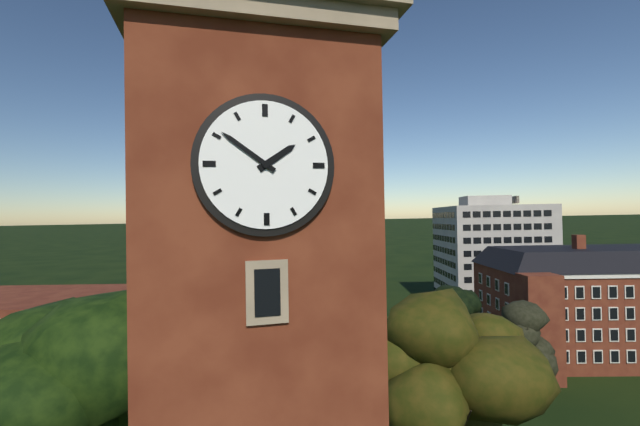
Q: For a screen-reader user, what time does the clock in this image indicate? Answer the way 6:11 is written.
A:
1:51
